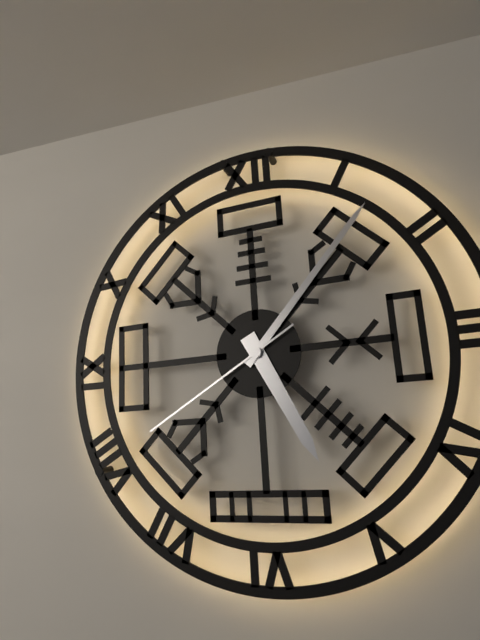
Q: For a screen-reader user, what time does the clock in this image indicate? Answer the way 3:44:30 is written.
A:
5:07:40
